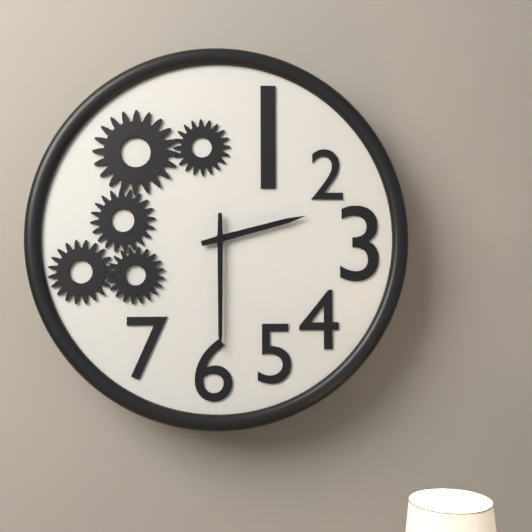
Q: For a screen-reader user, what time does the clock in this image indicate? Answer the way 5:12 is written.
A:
2:30
